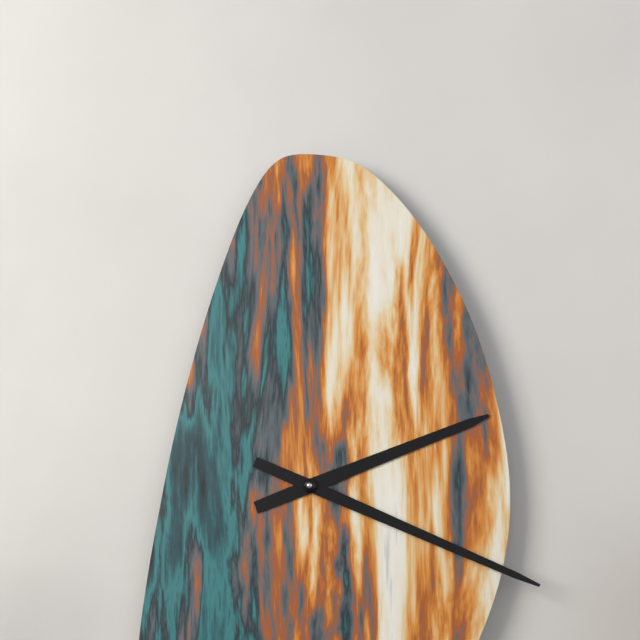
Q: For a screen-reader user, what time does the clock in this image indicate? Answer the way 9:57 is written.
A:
2:19
